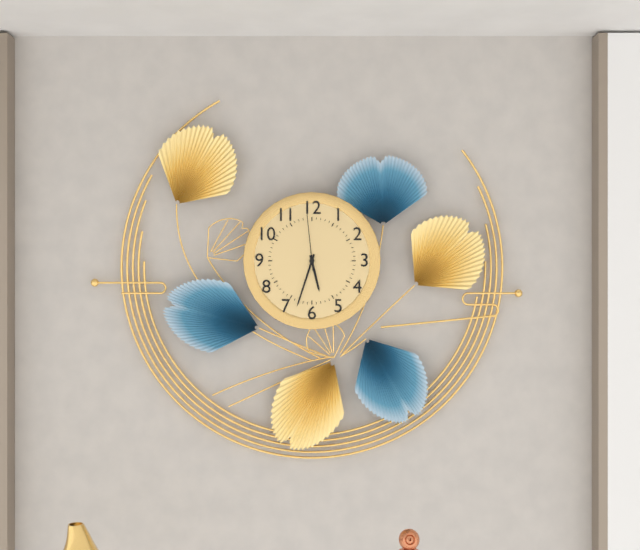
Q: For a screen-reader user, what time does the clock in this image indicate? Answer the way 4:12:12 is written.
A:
5:33:59
